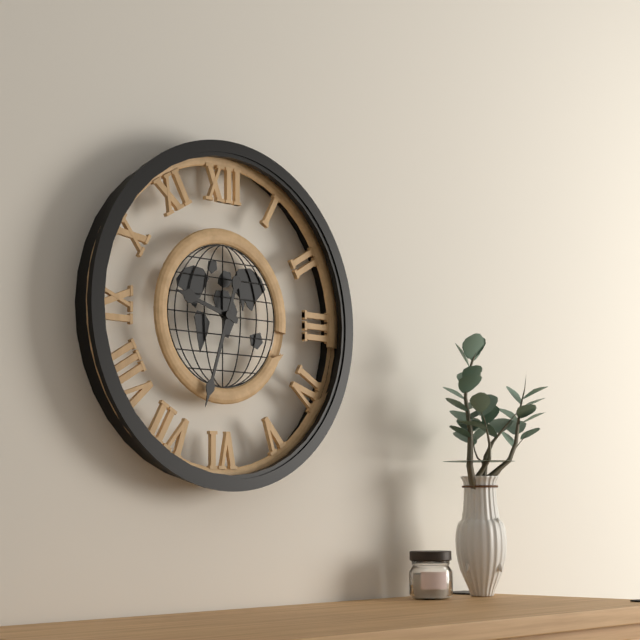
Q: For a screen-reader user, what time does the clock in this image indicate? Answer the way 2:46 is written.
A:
9:33
